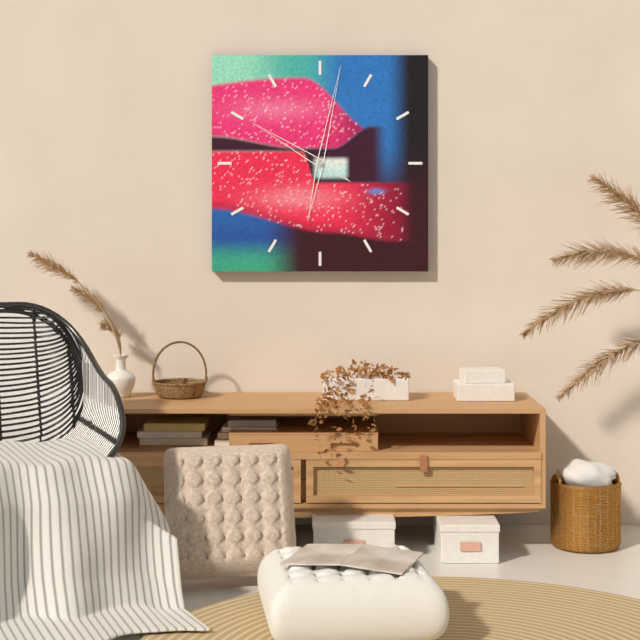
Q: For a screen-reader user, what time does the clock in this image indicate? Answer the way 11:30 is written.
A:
10:02
